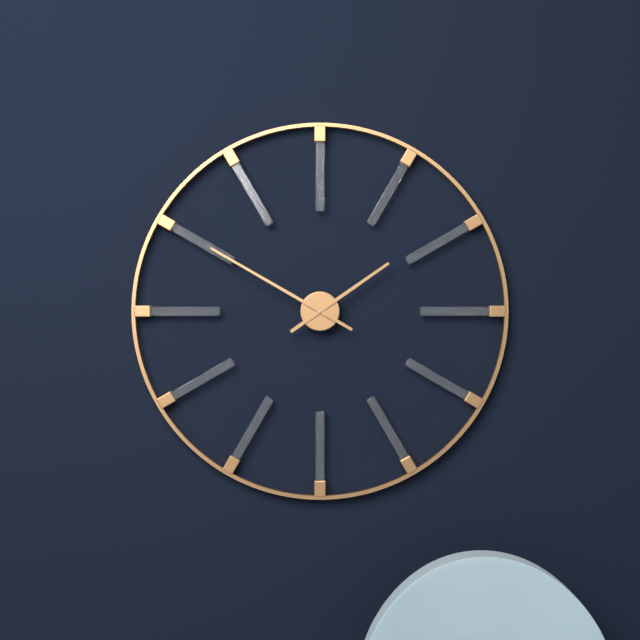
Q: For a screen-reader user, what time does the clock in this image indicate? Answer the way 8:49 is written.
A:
1:50
